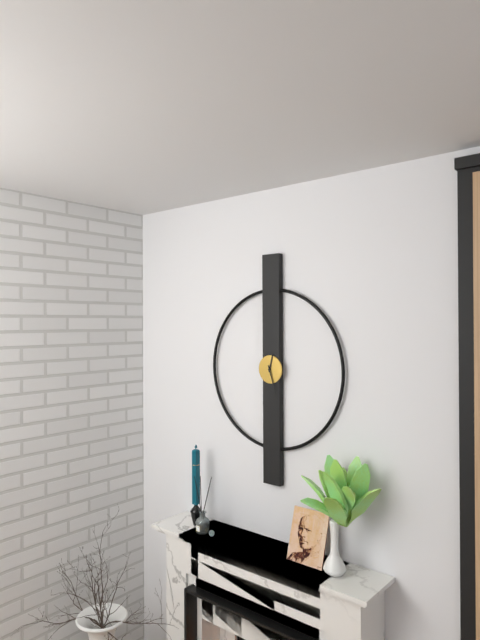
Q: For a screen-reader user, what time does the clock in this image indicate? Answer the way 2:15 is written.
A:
12:27
